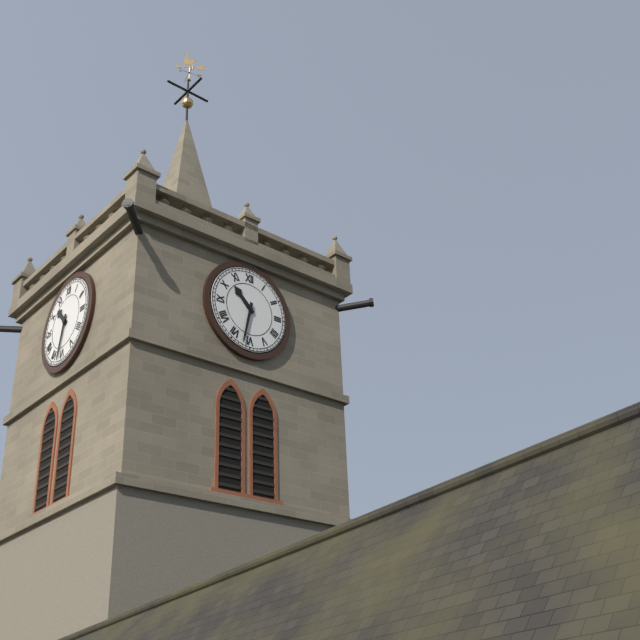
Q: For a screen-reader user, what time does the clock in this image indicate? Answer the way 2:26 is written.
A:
10:32
